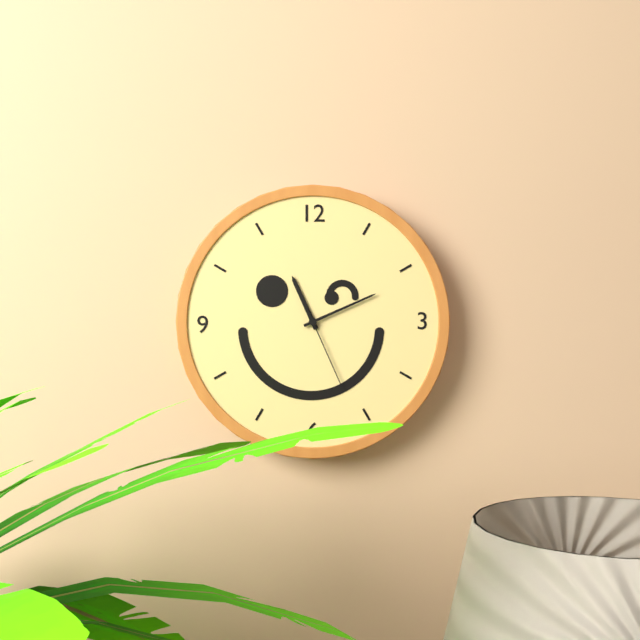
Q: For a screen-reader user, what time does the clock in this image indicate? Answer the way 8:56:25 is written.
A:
11:11:26
